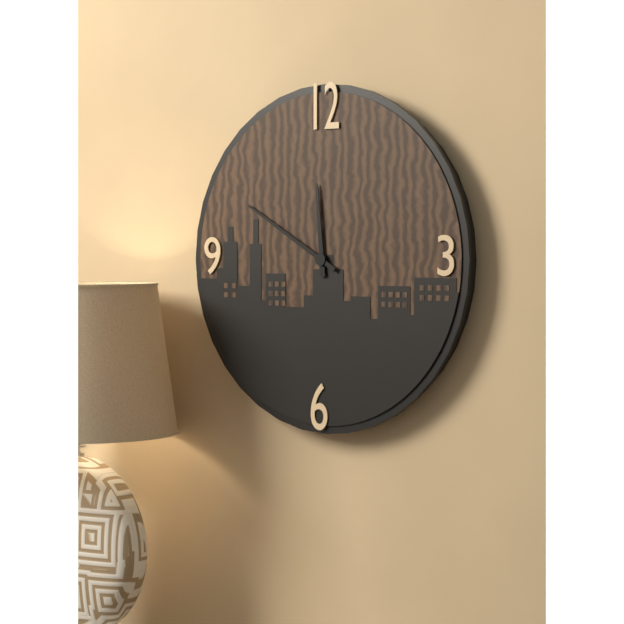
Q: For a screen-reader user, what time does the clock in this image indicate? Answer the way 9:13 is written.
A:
11:50
